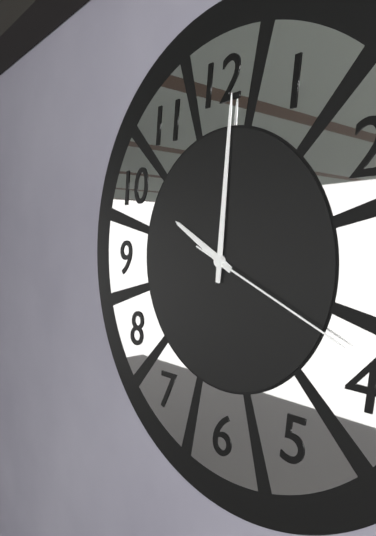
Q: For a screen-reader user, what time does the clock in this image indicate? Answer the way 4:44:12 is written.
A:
10:01:19
